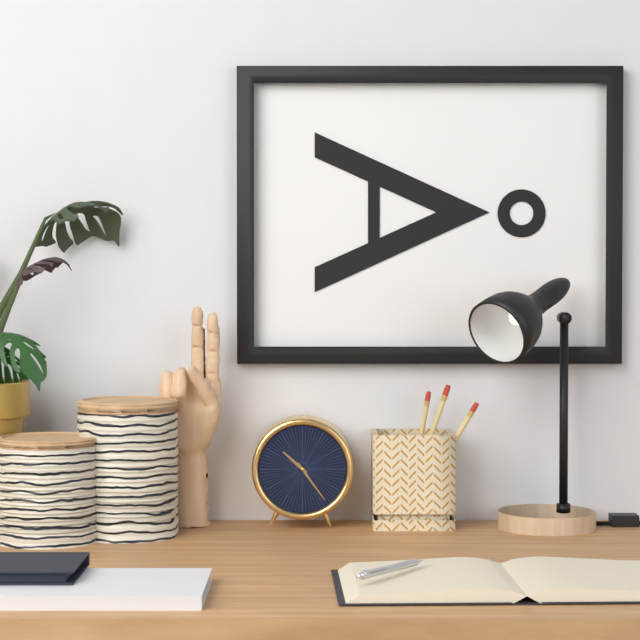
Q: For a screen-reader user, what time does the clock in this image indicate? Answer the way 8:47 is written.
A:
10:24
